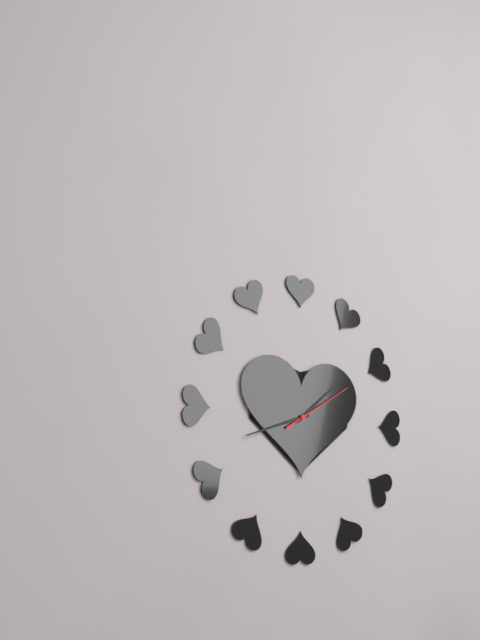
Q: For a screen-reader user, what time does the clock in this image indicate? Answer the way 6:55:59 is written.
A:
1:42:10
